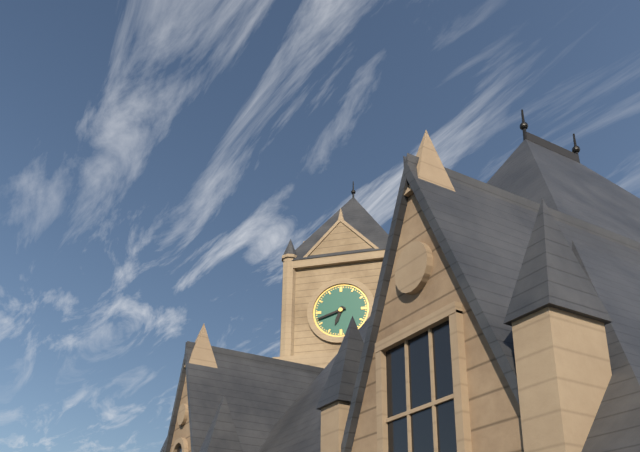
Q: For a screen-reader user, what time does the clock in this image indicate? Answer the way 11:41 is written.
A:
6:42
